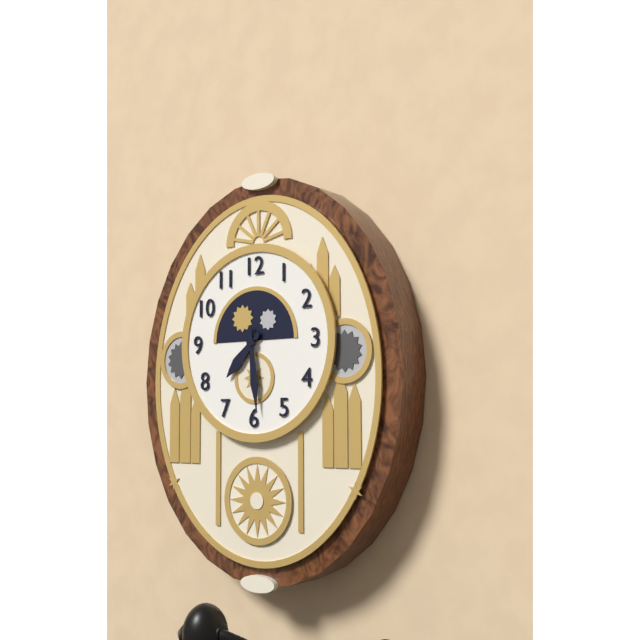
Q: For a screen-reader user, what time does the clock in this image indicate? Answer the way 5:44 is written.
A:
7:29
